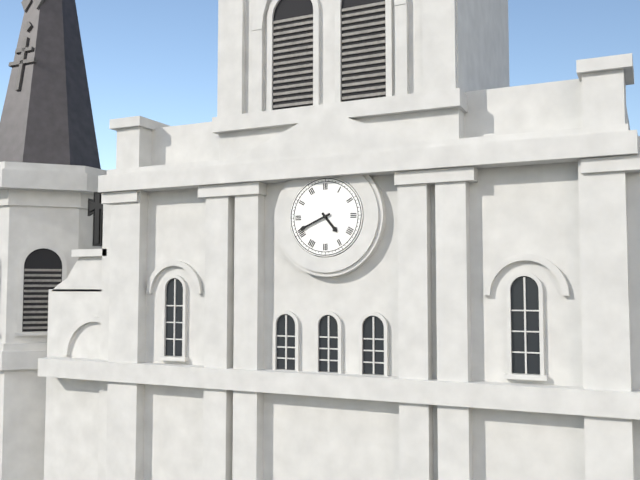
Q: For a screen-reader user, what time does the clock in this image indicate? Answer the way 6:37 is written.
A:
4:41
